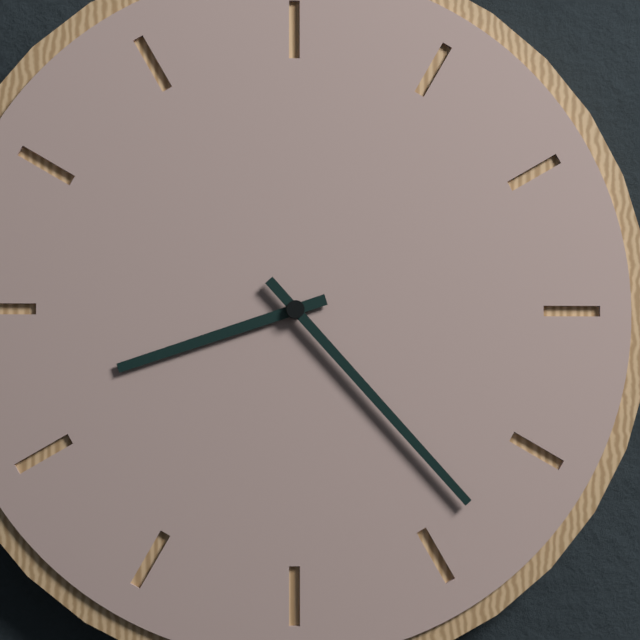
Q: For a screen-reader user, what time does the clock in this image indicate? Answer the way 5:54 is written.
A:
8:23
